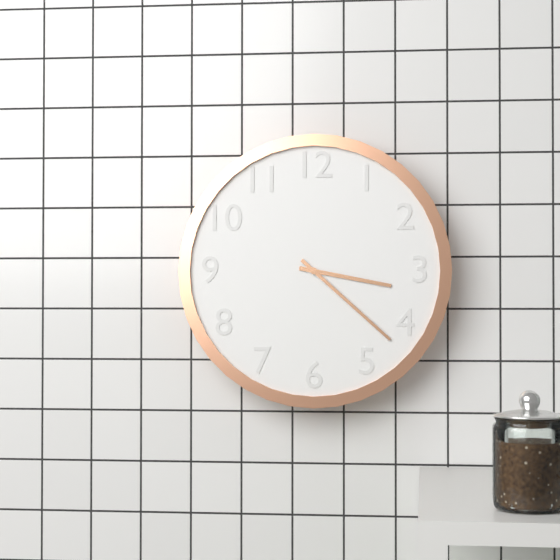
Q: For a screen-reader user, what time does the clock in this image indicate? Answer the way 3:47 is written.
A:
3:22
